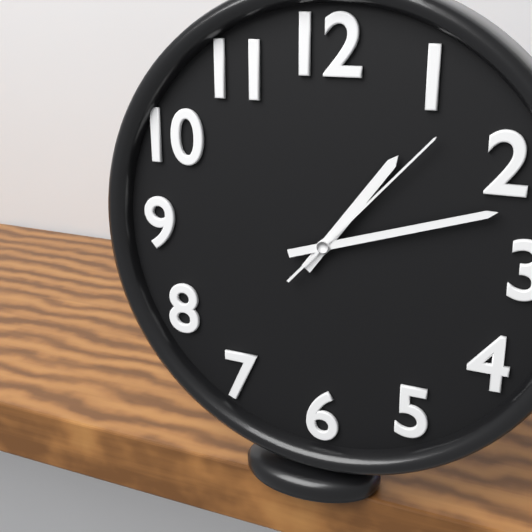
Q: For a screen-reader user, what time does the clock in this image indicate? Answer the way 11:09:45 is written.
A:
1:12:07
